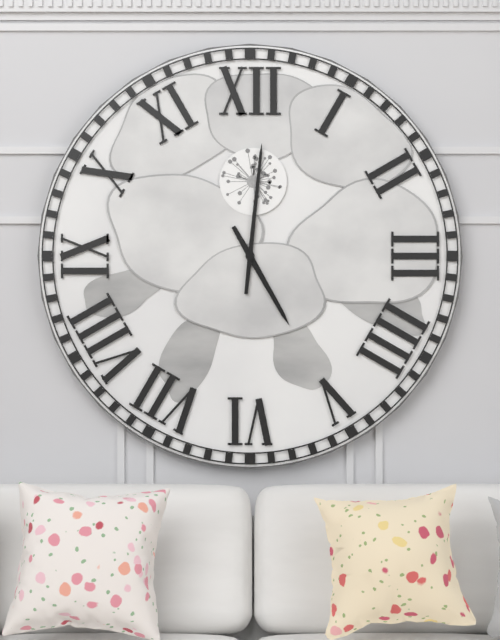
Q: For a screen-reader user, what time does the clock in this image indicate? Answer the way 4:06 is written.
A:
5:01
